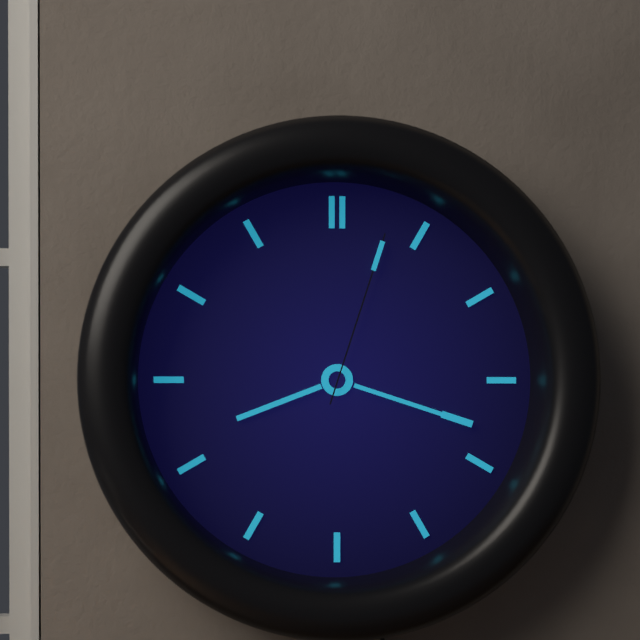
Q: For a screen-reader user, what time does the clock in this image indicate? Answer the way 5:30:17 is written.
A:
8:18:03
